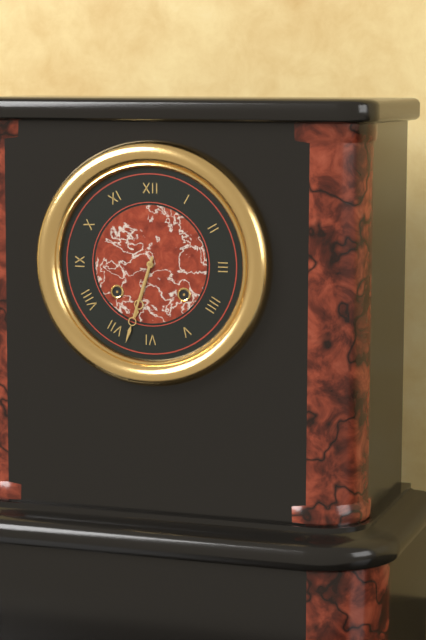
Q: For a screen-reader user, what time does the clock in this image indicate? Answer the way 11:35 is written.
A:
6:33
